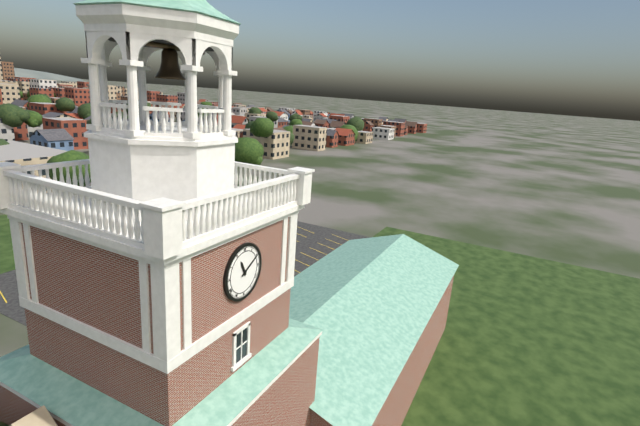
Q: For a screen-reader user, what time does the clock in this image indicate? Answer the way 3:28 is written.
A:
11:10
